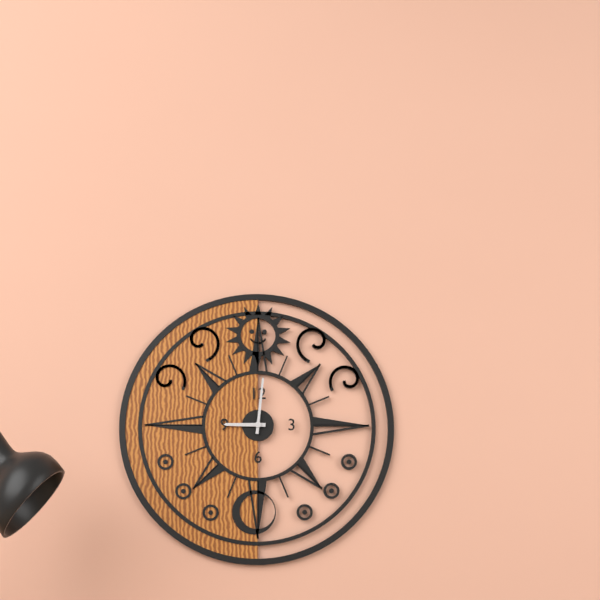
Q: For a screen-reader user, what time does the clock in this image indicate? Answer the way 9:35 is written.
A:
9:01
